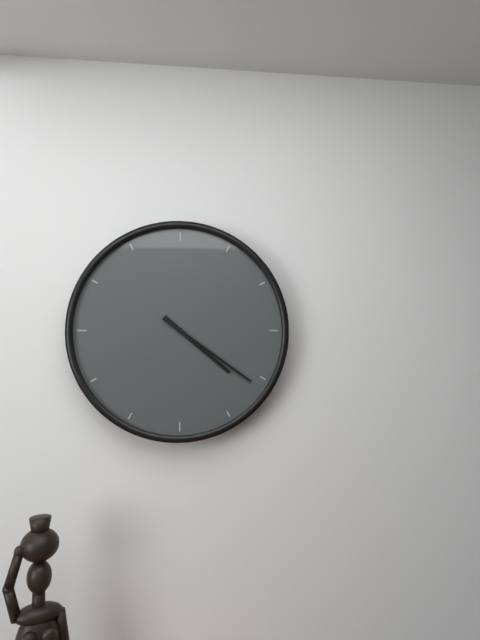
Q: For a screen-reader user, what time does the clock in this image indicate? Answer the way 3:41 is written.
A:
4:21
